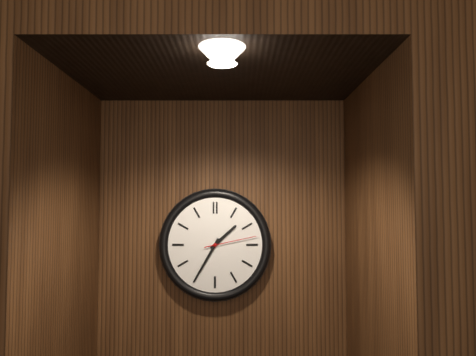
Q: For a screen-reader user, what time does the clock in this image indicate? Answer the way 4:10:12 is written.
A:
1:35:13
